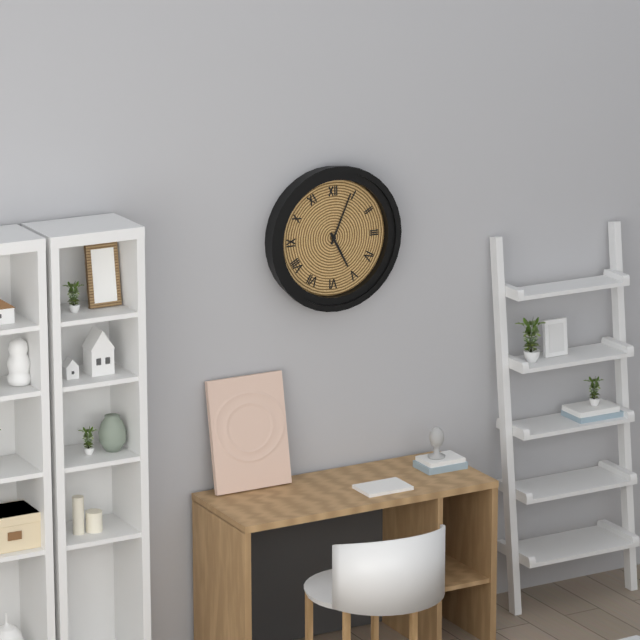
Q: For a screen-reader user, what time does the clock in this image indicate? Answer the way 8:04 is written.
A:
5:04
